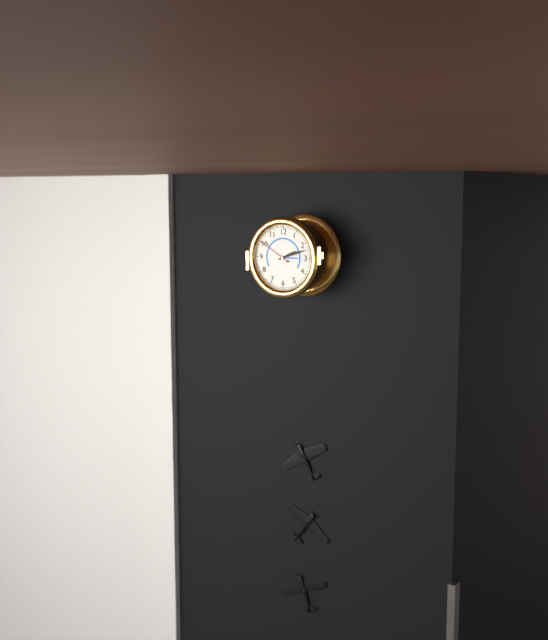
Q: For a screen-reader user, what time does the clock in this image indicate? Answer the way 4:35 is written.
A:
2:12
